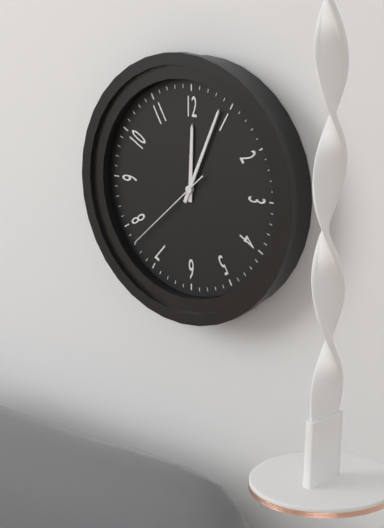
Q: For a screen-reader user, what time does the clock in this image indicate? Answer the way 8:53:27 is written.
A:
12:04:38
